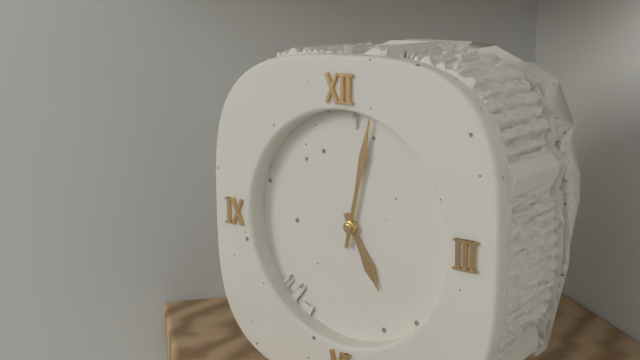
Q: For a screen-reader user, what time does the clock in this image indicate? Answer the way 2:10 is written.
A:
5:02
